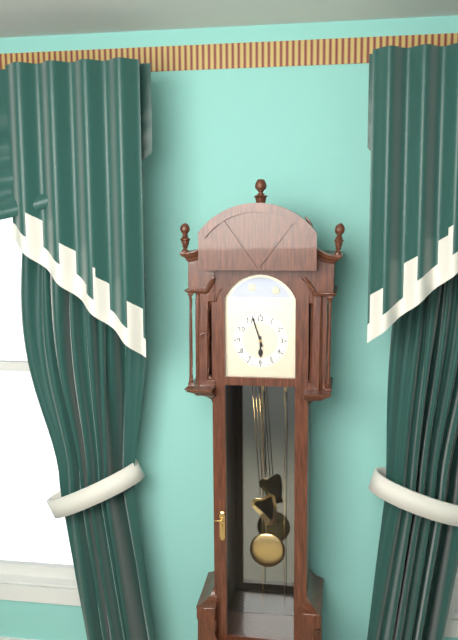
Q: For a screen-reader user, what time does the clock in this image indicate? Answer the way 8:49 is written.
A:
5:57
